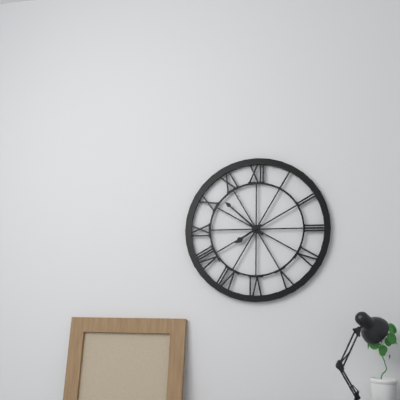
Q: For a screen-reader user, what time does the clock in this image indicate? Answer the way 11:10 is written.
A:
7:52
